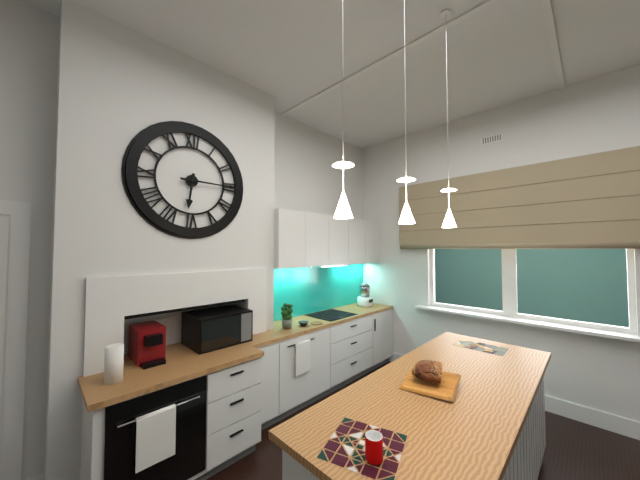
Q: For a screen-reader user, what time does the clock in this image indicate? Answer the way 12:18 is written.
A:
6:15
